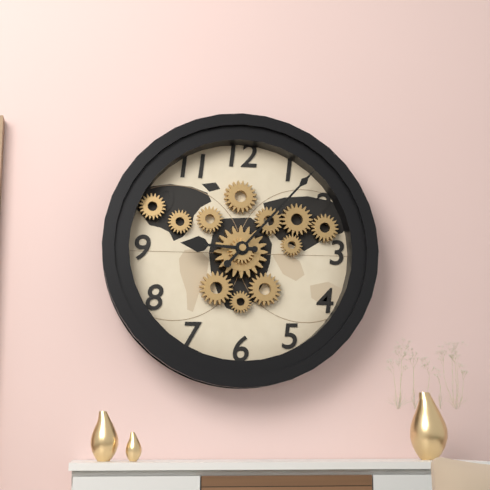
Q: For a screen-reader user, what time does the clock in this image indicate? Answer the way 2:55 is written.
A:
9:07
